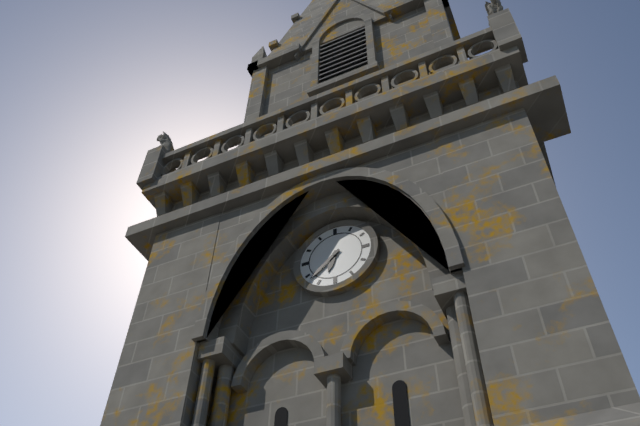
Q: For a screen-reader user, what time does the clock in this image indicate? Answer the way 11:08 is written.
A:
6:38
